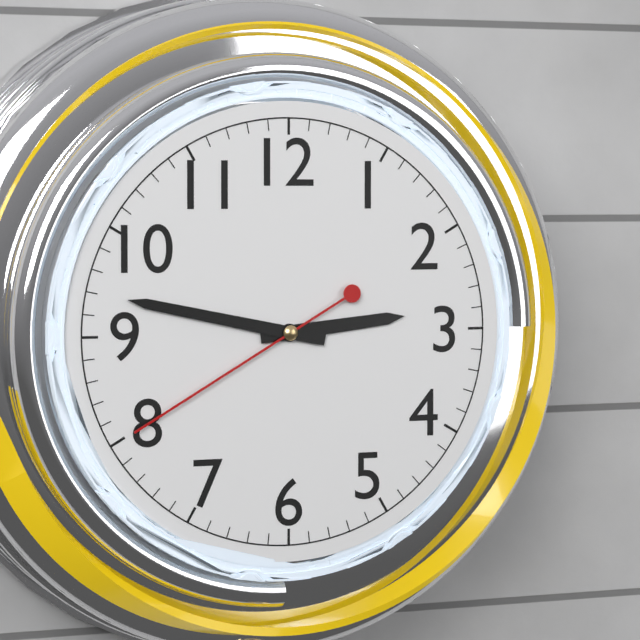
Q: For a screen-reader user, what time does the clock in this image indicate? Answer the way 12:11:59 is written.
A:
2:47:40
